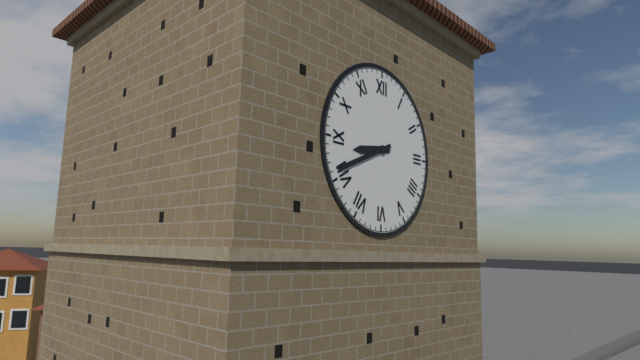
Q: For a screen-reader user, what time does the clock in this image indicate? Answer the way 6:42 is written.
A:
8:41
